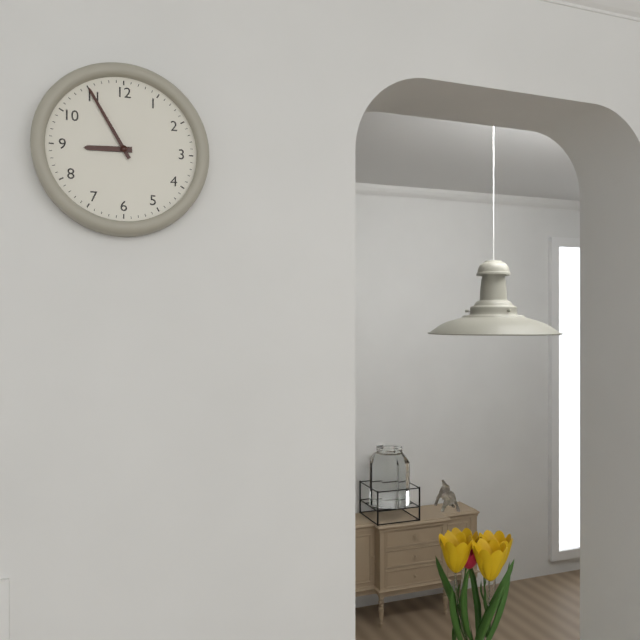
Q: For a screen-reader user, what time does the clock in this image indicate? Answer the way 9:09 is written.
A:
8:55
